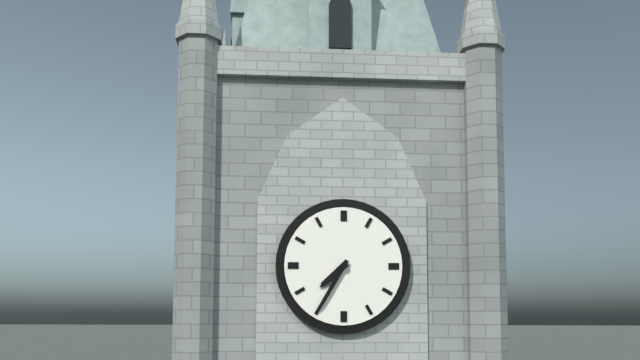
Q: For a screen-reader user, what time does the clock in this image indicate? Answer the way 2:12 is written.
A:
7:35
